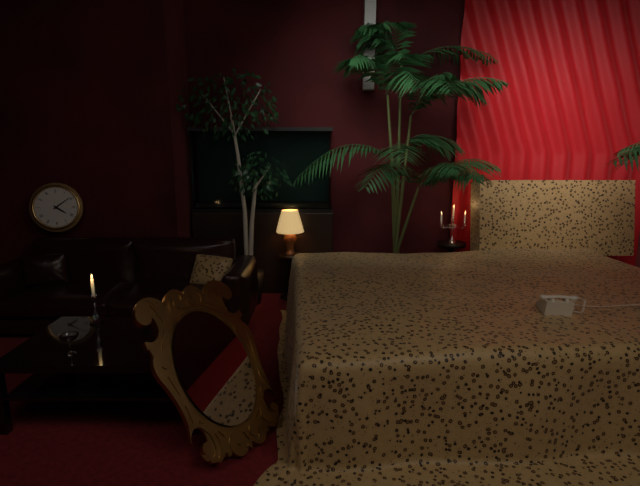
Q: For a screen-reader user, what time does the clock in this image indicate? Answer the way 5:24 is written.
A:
4:09
